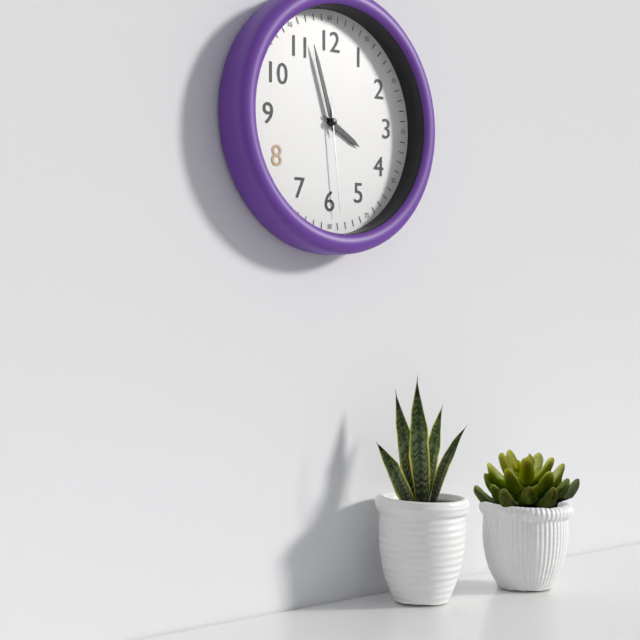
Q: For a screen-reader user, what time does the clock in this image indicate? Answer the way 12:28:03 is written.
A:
3:57:29
